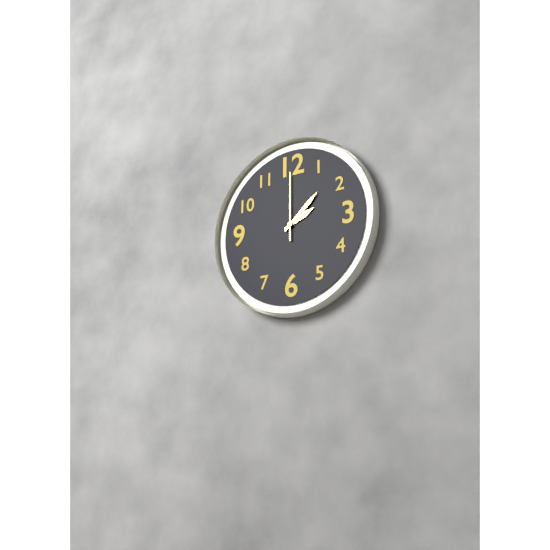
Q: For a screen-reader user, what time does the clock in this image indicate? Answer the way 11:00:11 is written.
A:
2:08:00
